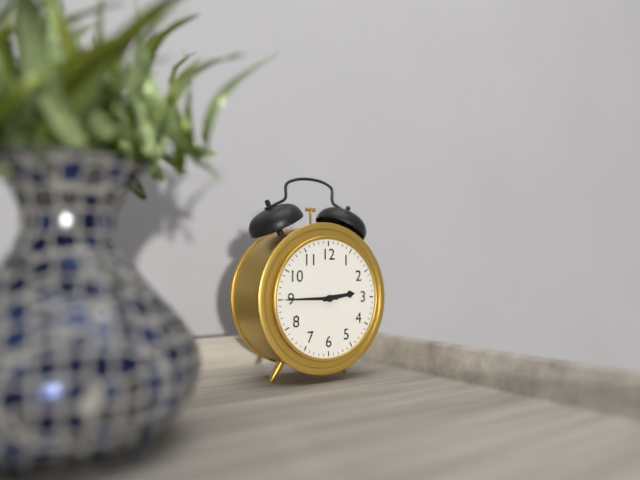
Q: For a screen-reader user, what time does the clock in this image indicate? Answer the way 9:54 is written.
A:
2:45
